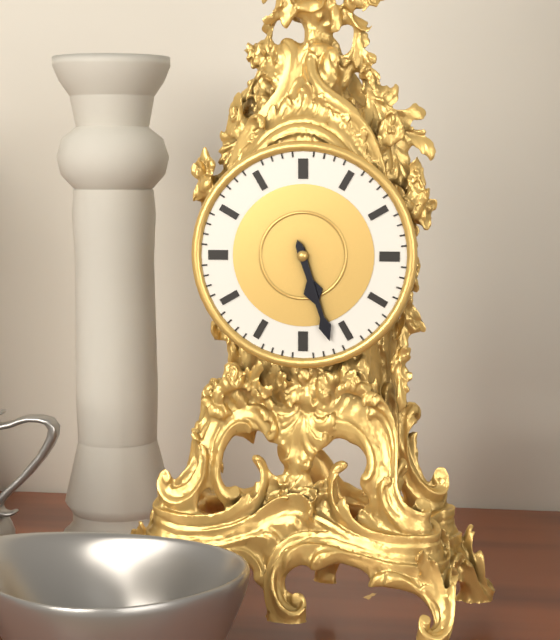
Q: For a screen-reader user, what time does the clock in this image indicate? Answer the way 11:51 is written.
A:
5:27
